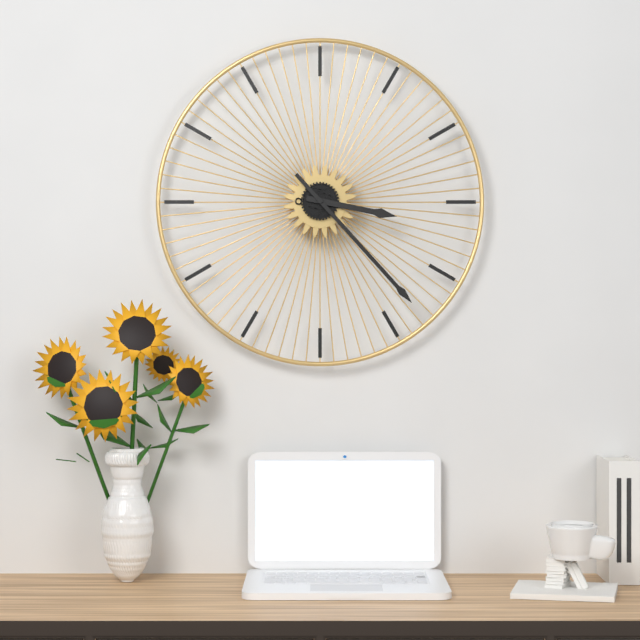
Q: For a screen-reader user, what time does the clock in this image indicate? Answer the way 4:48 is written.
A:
3:23
